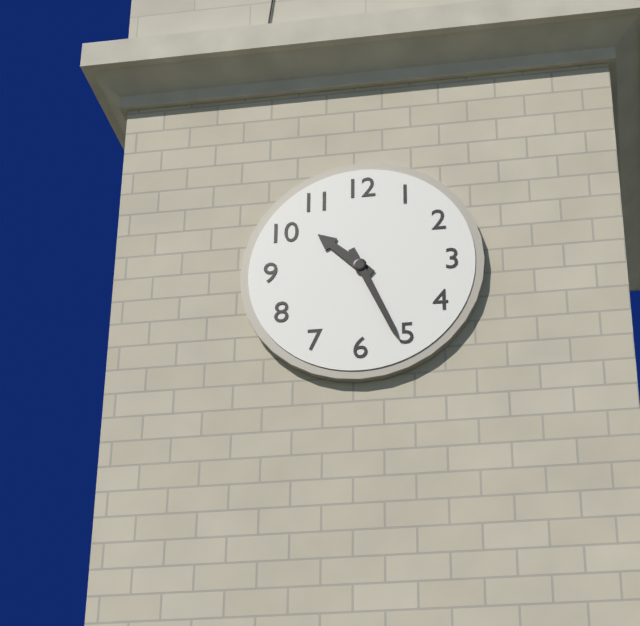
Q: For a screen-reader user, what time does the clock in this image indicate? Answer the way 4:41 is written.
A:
10:26
